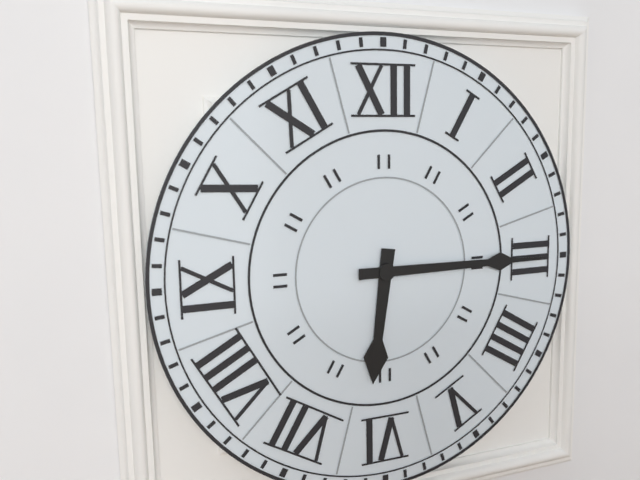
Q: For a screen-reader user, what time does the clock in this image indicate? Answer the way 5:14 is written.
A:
6:15
